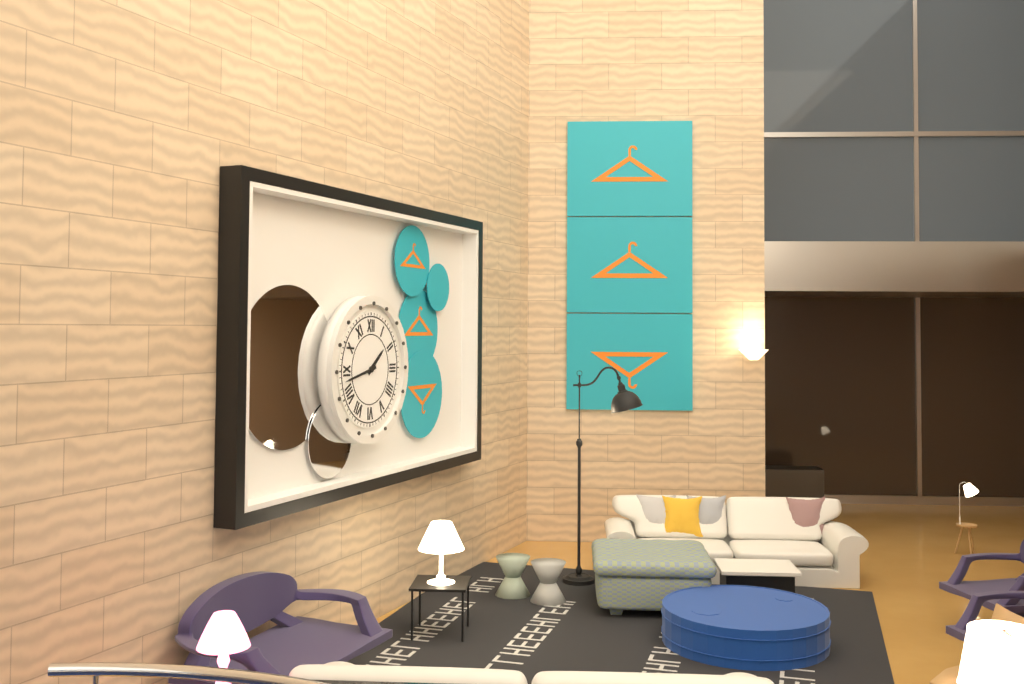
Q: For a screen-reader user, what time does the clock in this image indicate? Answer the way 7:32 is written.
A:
1:43
